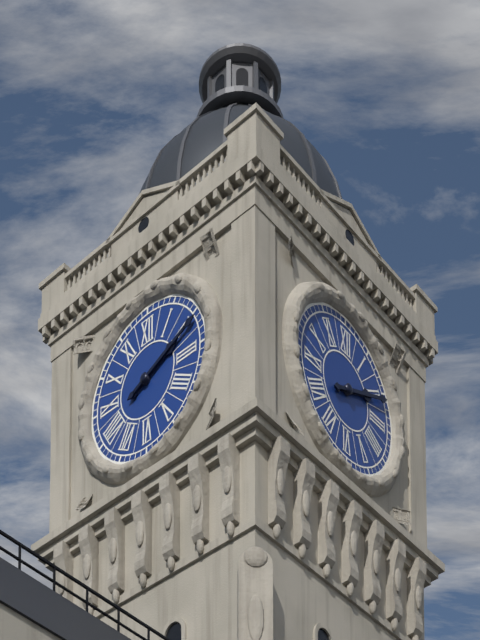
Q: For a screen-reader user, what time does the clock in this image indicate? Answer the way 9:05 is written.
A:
2:11
